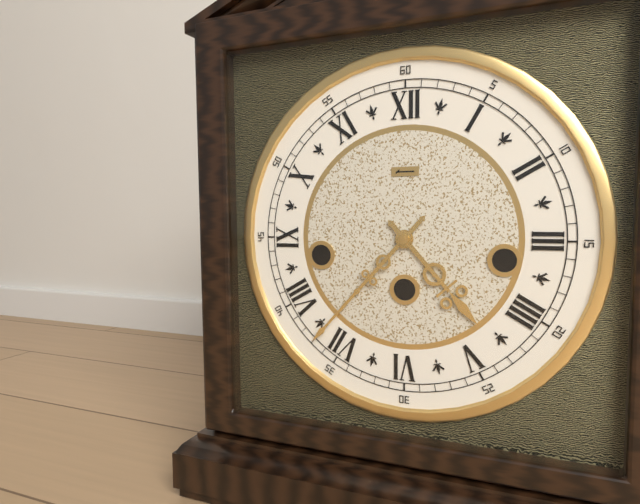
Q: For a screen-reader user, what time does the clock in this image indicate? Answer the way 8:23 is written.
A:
4:37
